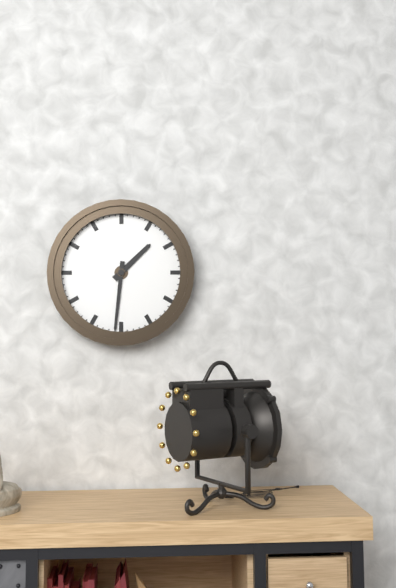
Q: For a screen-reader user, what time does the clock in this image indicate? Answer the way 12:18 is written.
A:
1:31
